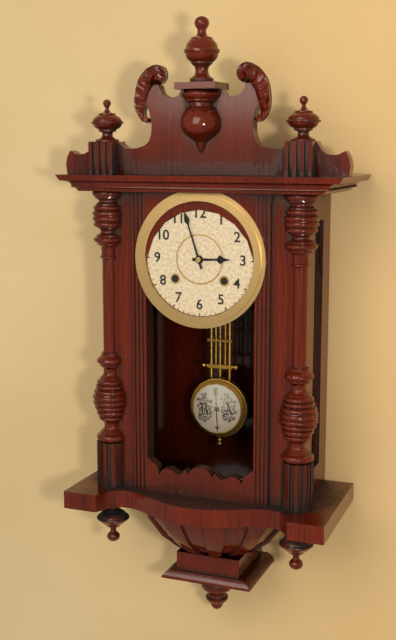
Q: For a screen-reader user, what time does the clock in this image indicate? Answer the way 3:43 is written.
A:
2:57
